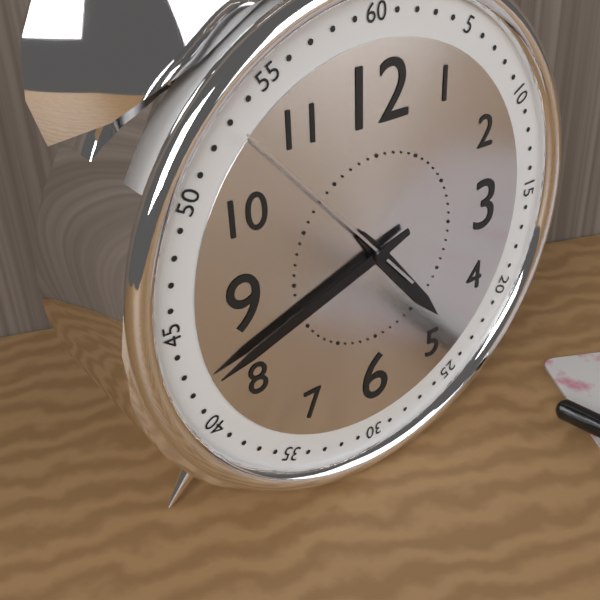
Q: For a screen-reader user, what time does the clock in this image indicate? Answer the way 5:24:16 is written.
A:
4:42:53
